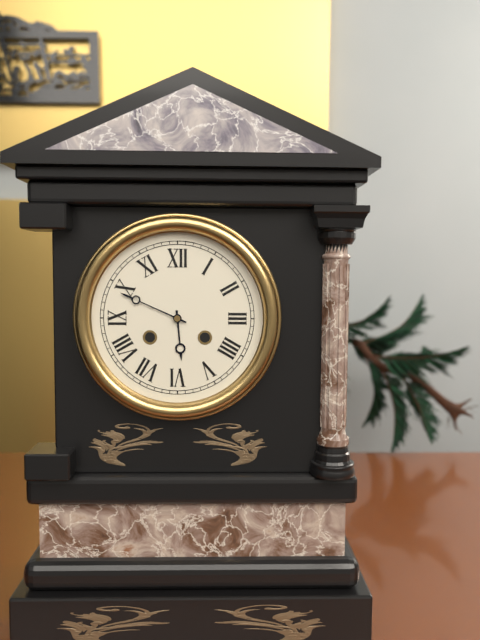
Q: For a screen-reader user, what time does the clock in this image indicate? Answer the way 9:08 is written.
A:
5:49
